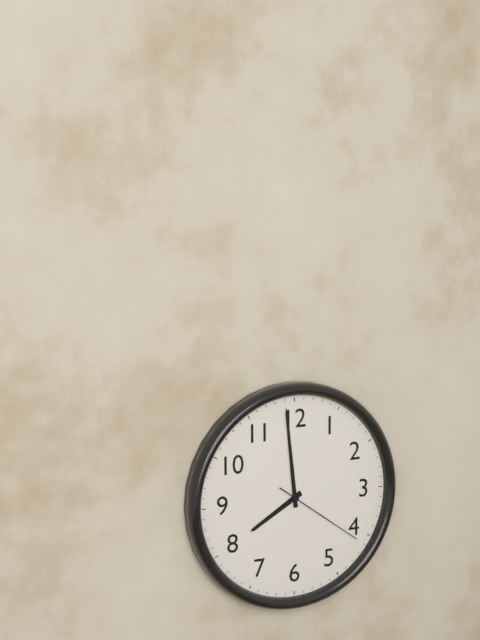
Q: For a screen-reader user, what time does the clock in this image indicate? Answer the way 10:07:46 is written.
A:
7:59:21
